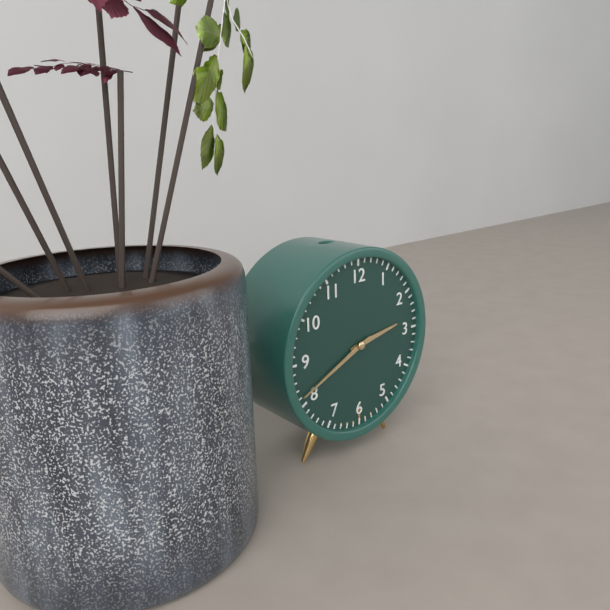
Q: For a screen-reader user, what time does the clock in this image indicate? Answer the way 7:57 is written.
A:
2:41
